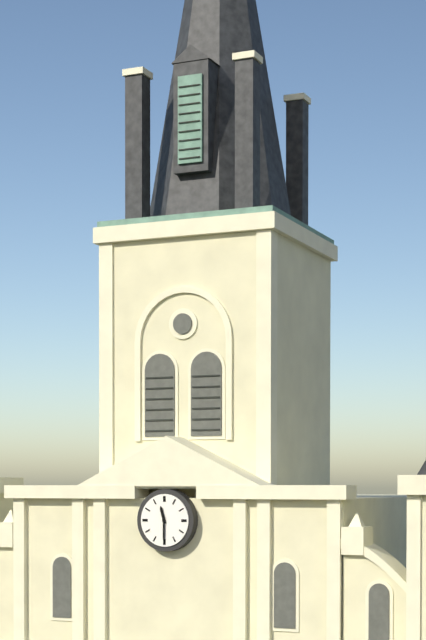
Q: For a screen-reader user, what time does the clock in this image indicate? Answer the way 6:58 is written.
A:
11:30
